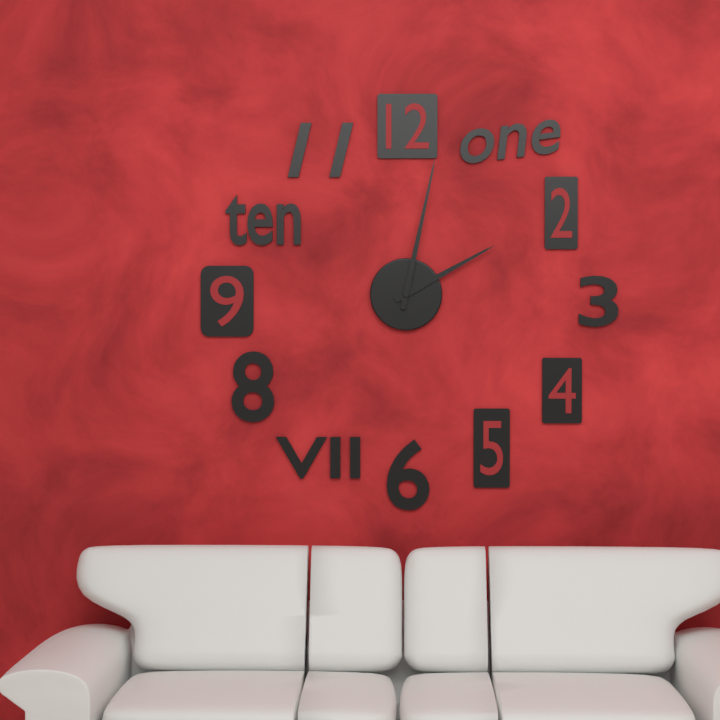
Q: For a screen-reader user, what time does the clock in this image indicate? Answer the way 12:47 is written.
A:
2:02
